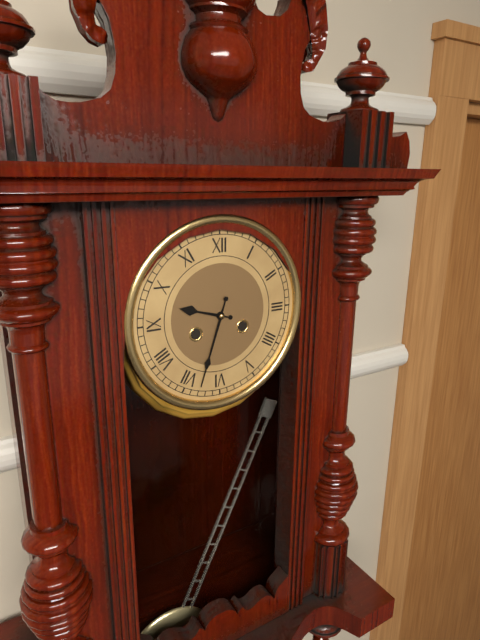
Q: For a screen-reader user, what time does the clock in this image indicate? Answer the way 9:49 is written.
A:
9:33
